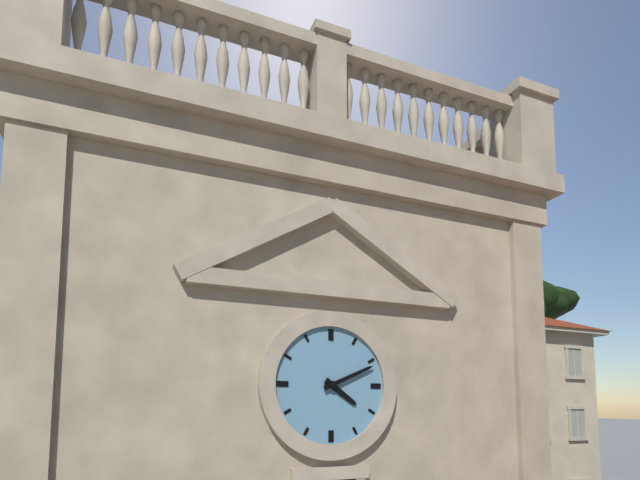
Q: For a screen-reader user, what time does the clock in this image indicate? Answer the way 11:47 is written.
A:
4:11
